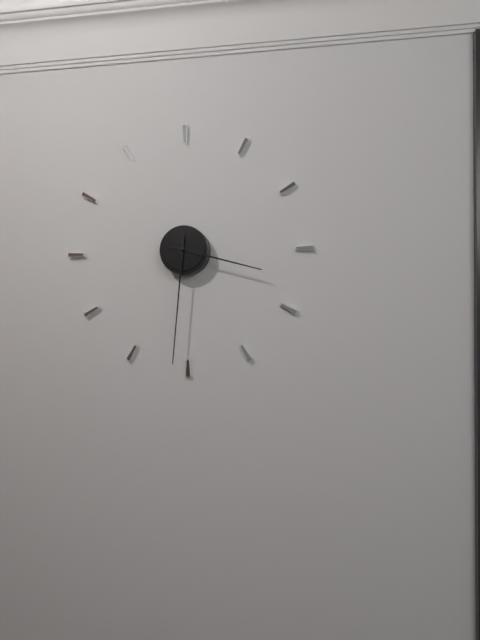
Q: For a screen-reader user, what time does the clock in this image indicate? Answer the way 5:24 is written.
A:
3:31
